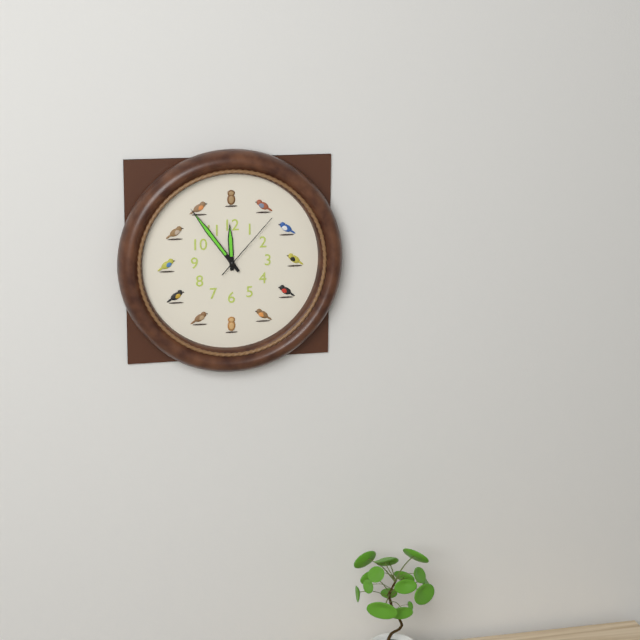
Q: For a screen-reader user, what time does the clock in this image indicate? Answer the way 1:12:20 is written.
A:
11:54:07
